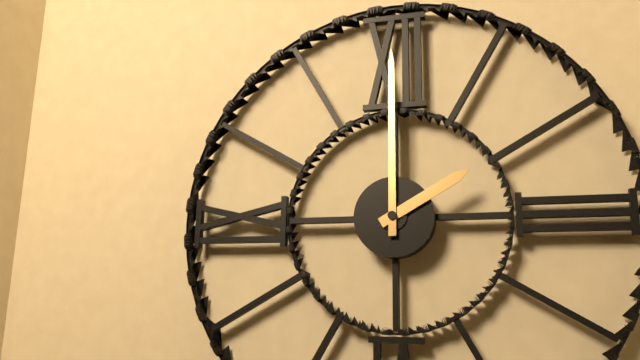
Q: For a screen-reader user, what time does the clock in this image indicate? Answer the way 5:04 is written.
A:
2:00
